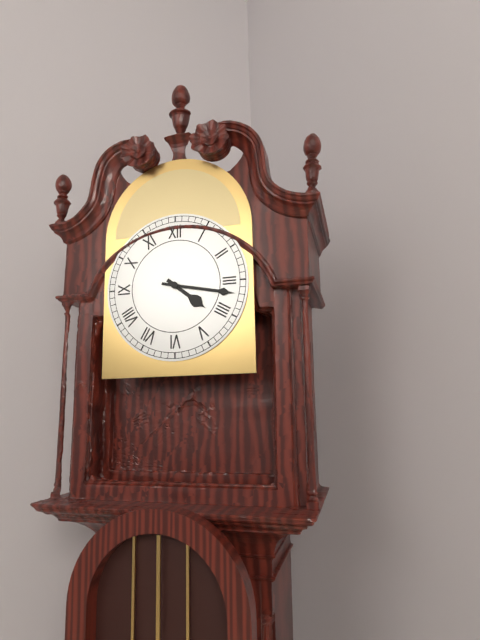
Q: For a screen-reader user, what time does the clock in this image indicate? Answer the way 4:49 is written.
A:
4:17
